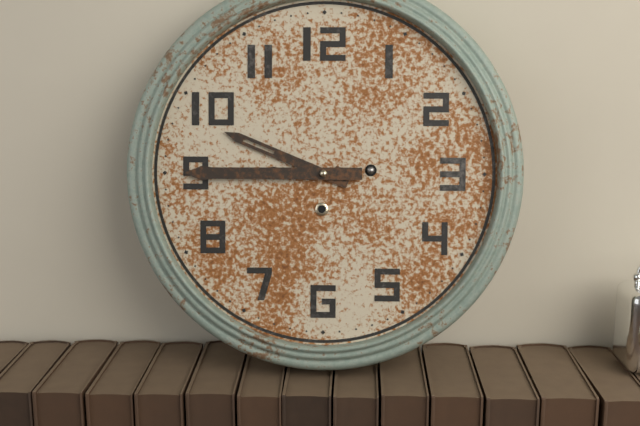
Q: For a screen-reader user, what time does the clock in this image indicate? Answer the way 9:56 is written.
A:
9:45
